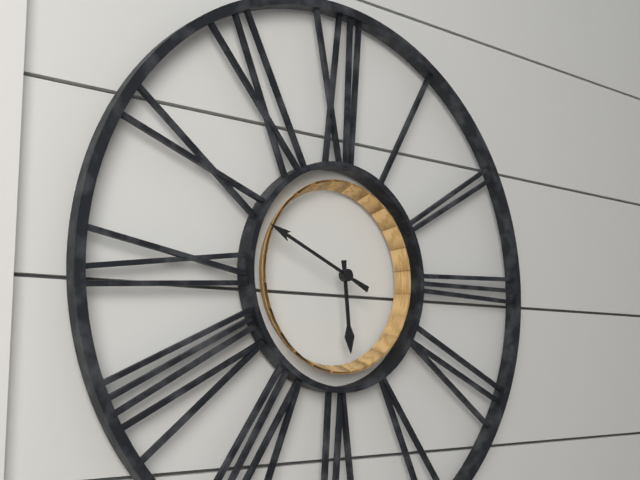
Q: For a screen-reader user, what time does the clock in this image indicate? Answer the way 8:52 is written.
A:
5:49
